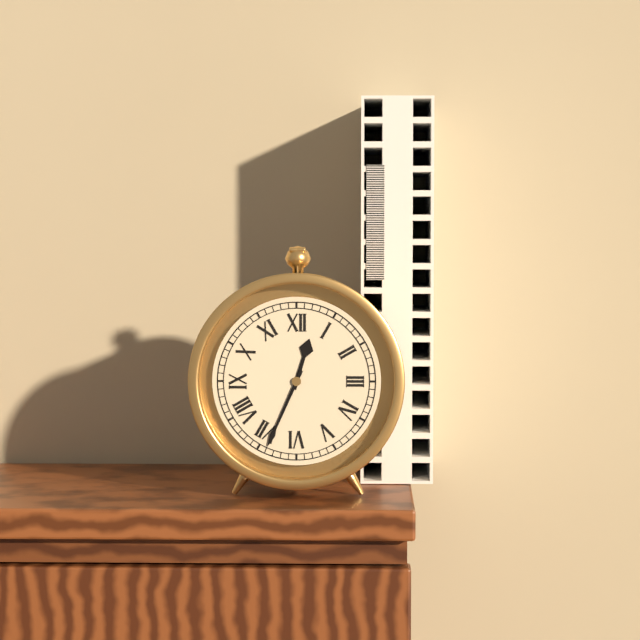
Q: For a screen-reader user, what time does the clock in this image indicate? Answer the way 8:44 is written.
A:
12:34
